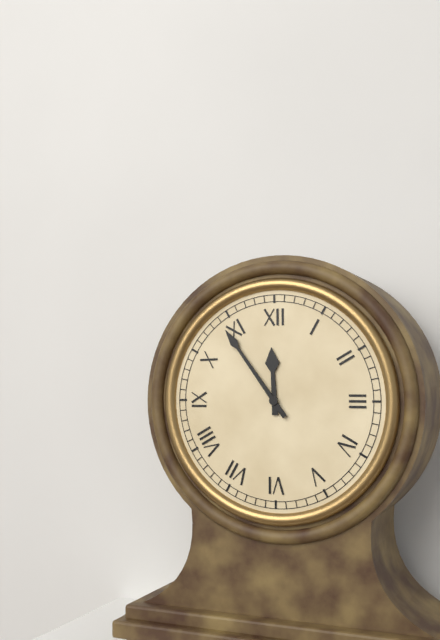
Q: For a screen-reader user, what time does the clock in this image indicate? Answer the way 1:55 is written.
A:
11:54
